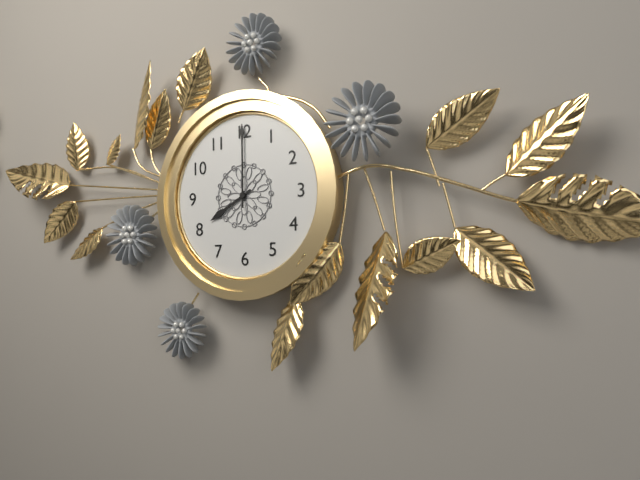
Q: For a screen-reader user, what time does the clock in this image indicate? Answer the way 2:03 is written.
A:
8:00
